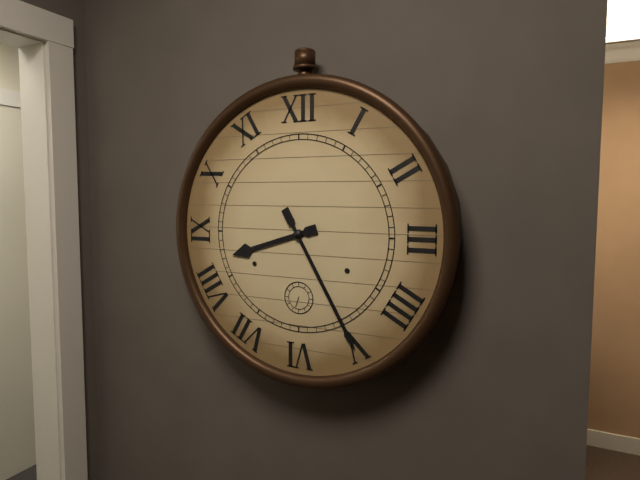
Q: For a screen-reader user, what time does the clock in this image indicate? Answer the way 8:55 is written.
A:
8:25
